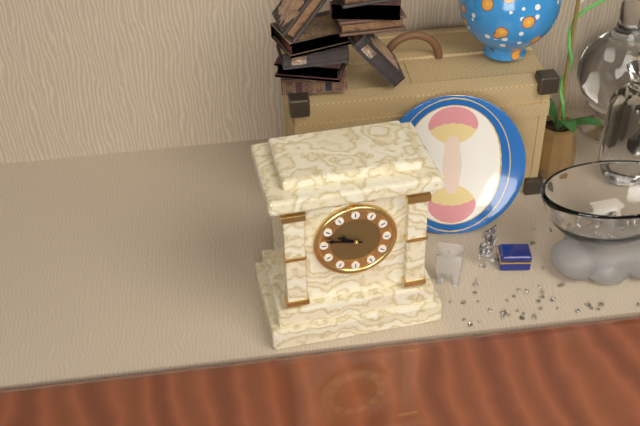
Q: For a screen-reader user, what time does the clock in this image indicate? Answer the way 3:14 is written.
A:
9:47
